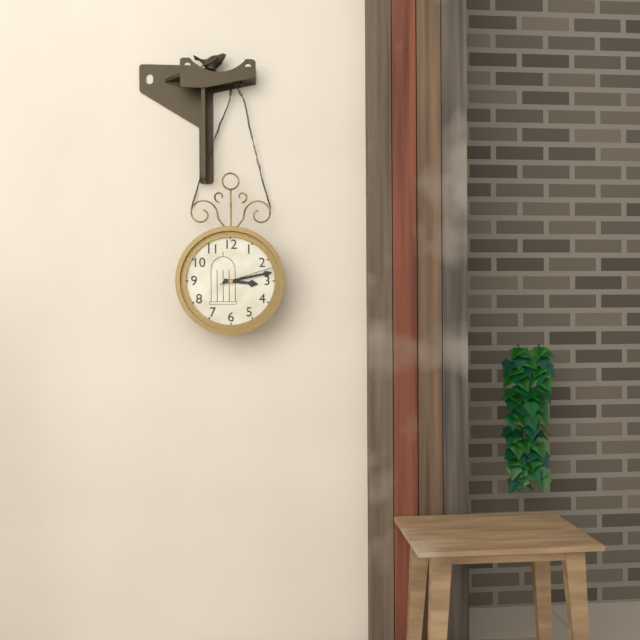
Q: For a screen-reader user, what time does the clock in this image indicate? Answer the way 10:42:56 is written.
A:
3:13:12
